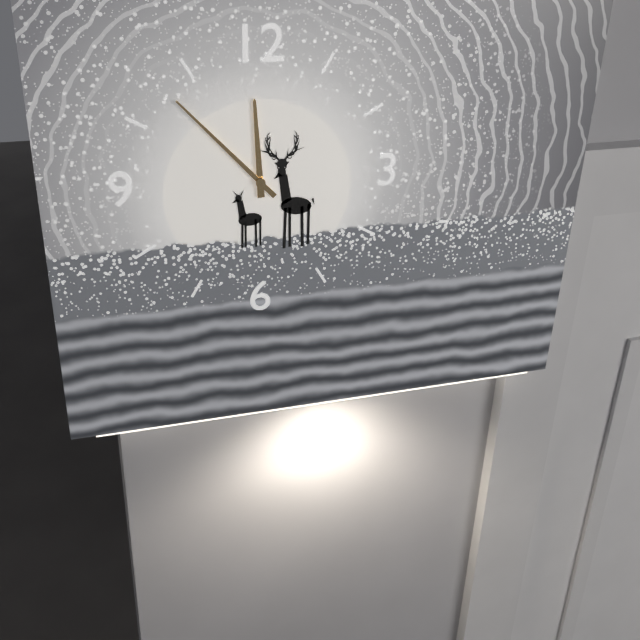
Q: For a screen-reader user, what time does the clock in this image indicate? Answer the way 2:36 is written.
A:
11:53
